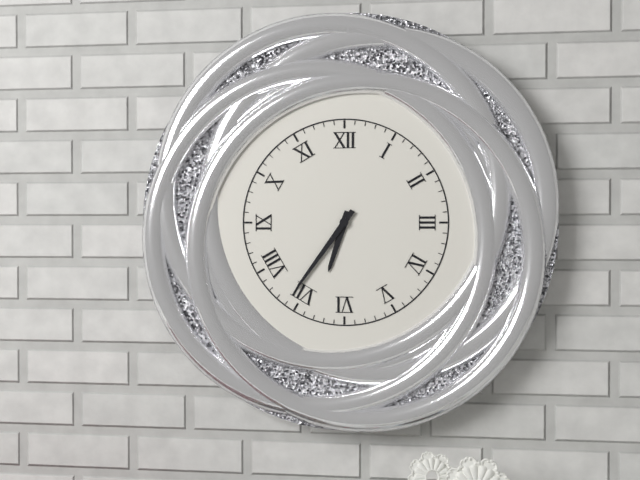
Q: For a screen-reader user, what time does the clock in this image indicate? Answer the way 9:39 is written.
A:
6:36
